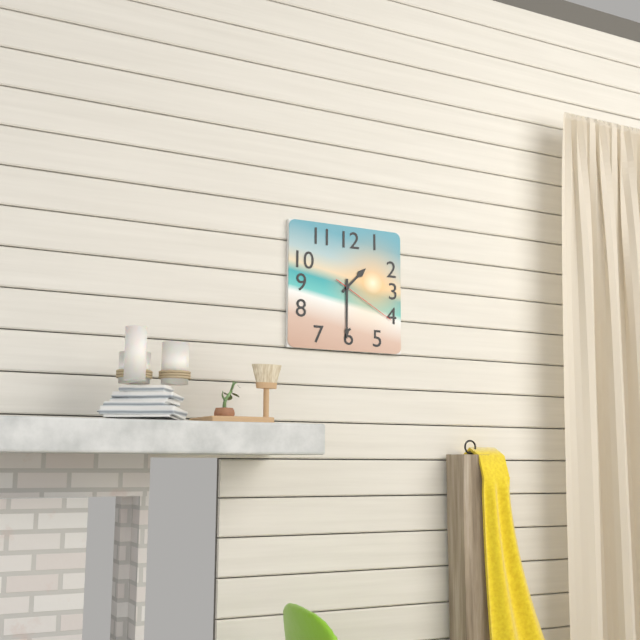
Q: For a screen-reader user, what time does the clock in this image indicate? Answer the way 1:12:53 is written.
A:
1:30:20
